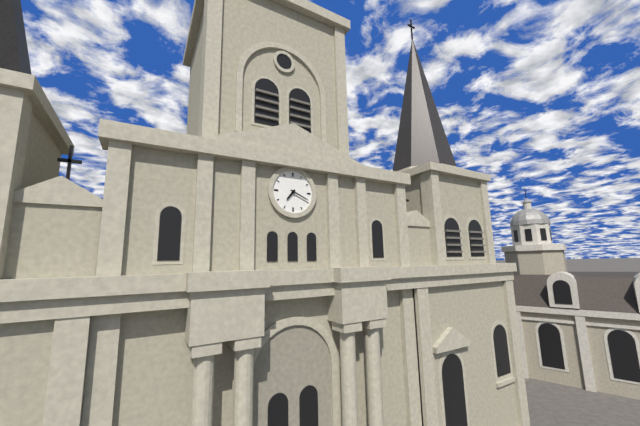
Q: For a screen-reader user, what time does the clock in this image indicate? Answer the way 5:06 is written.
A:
7:19
